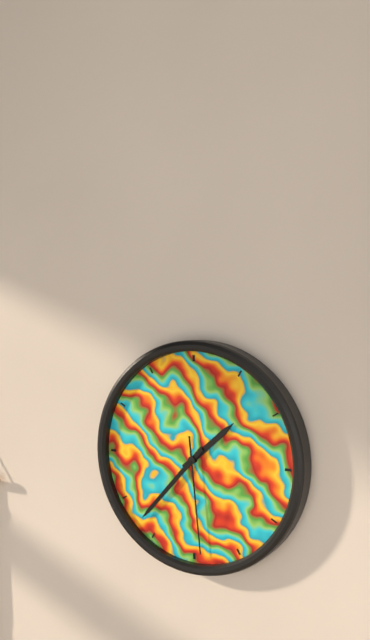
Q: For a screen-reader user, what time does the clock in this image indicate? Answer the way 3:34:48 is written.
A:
1:37:29
